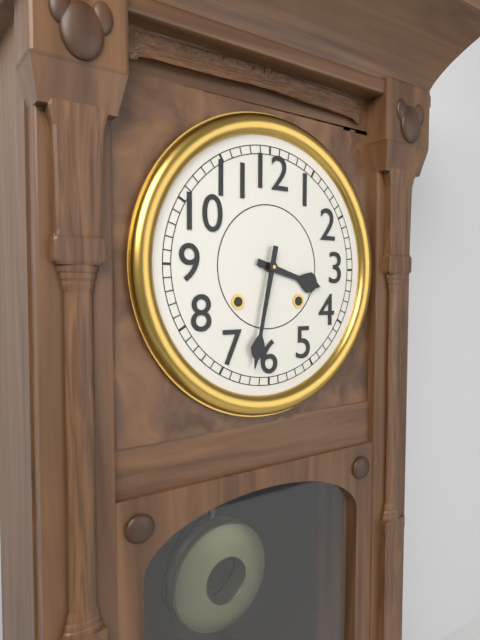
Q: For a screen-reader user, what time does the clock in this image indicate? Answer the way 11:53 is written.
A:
3:32
